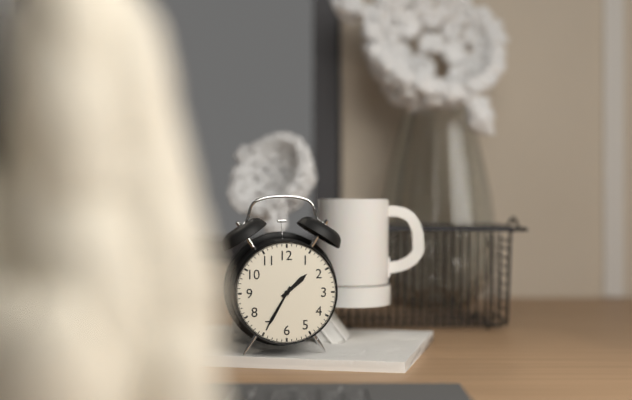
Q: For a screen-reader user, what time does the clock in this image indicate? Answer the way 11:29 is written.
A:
1:35
